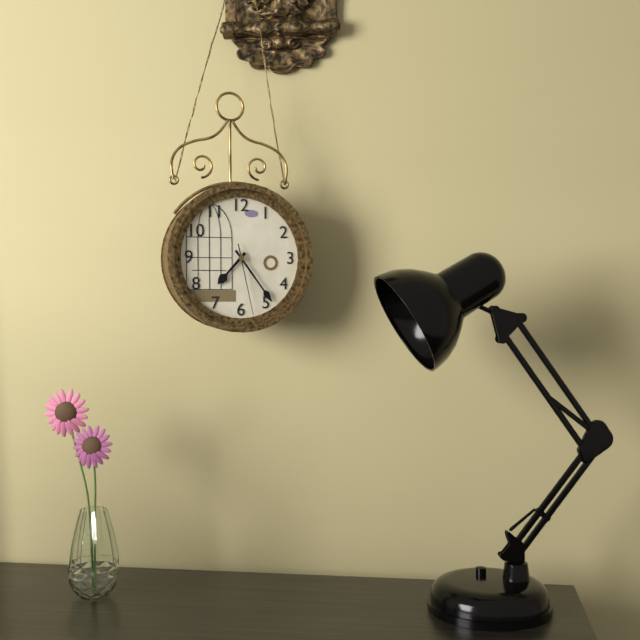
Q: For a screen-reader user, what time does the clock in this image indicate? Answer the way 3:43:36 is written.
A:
7:24:28
